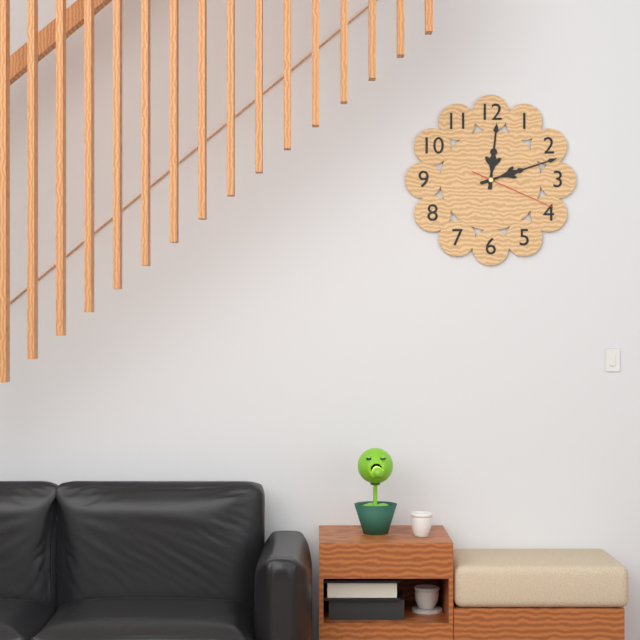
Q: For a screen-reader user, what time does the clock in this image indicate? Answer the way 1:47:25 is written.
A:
12:12:19
